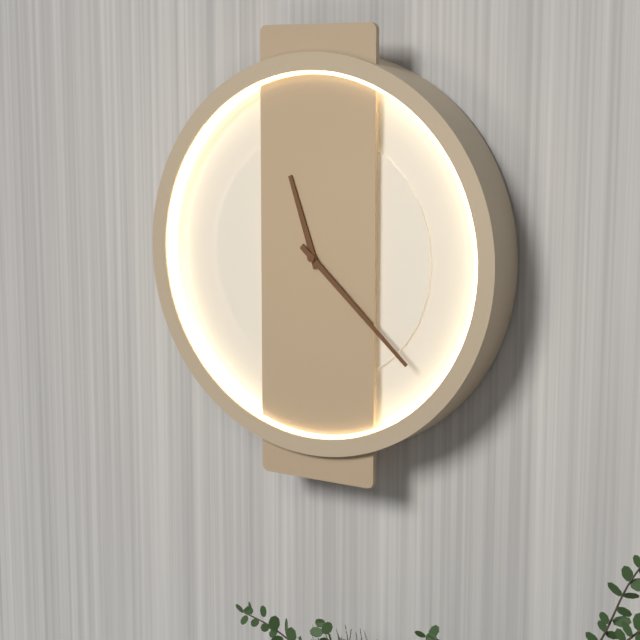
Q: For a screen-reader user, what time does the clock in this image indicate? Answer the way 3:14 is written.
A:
11:22
